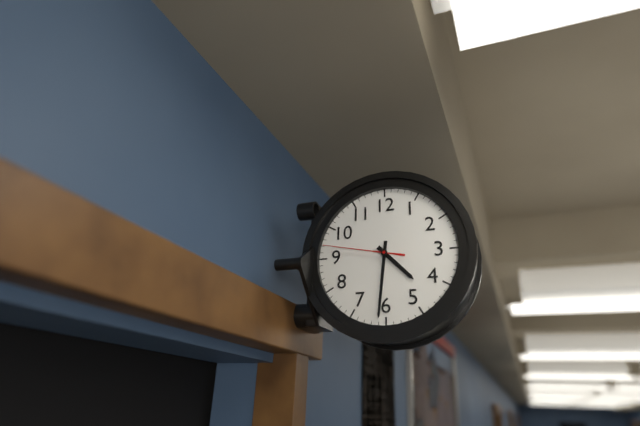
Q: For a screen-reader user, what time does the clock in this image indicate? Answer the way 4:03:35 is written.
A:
4:31:47
